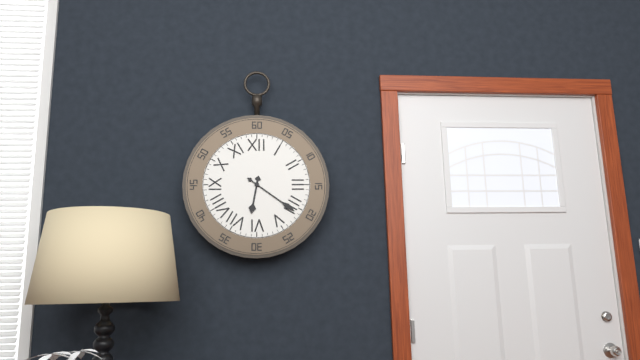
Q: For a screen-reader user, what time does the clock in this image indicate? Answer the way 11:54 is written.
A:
6:21
